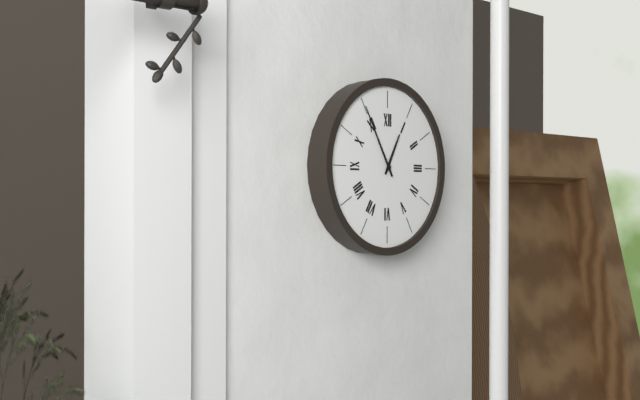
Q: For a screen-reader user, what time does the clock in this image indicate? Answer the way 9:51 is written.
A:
12:55
